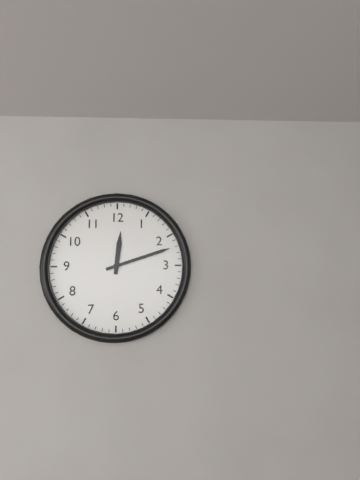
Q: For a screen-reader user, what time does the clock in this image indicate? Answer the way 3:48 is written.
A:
12:12
